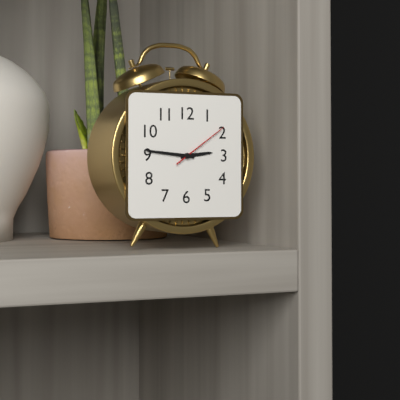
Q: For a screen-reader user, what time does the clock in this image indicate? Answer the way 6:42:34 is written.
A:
2:46:09
